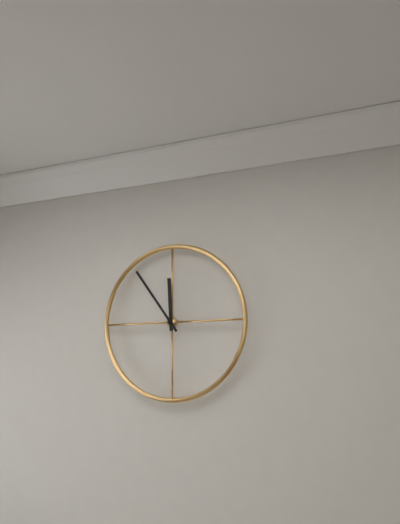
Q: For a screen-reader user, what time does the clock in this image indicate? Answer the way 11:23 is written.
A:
11:54
